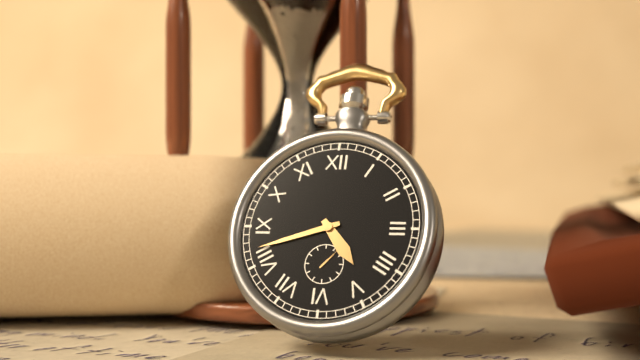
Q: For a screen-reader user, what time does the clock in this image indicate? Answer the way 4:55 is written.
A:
4:42
